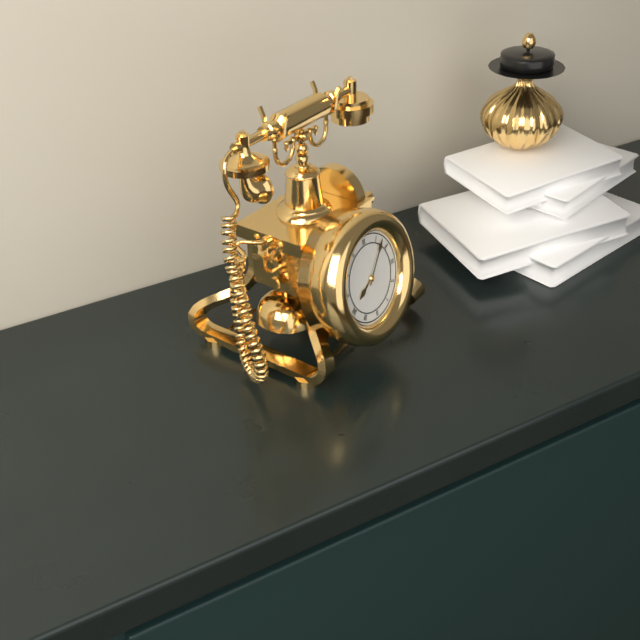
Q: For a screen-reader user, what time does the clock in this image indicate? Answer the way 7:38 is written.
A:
8:07
